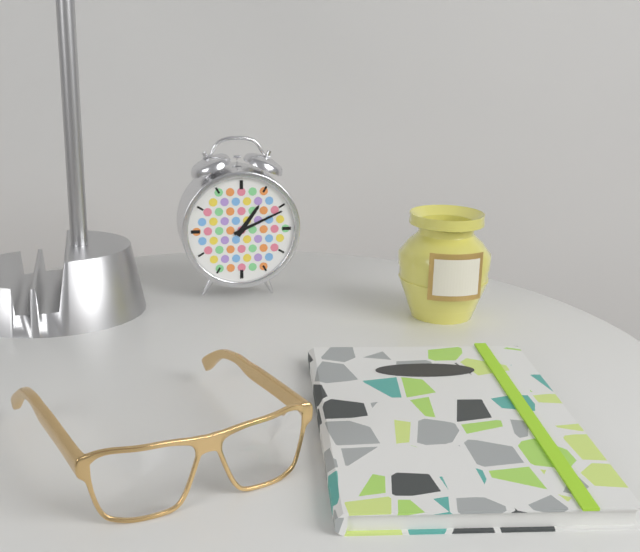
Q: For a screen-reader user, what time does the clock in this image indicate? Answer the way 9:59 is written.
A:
1:11
